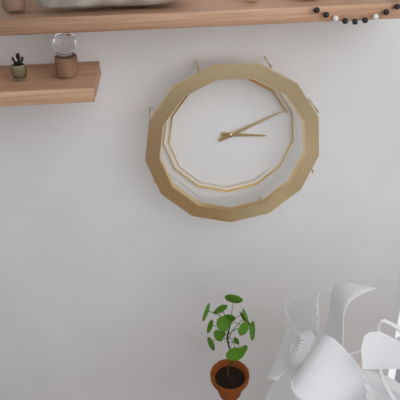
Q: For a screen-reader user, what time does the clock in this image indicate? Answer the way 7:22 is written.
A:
3:11
